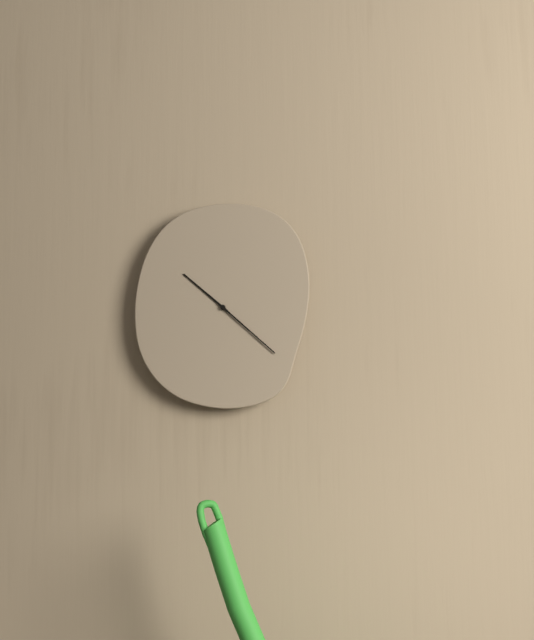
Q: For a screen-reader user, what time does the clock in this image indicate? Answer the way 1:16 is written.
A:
10:22
